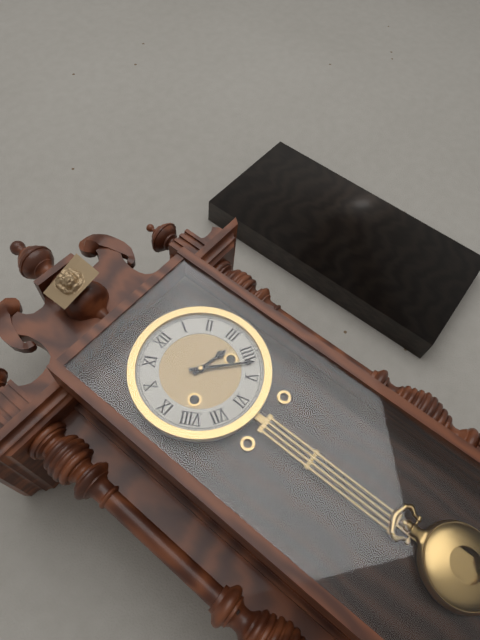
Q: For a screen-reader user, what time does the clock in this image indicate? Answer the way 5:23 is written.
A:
3:22
